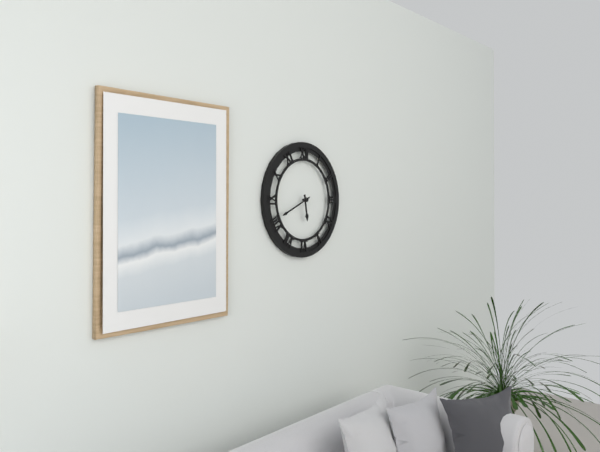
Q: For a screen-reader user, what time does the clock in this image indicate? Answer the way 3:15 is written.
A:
5:41
